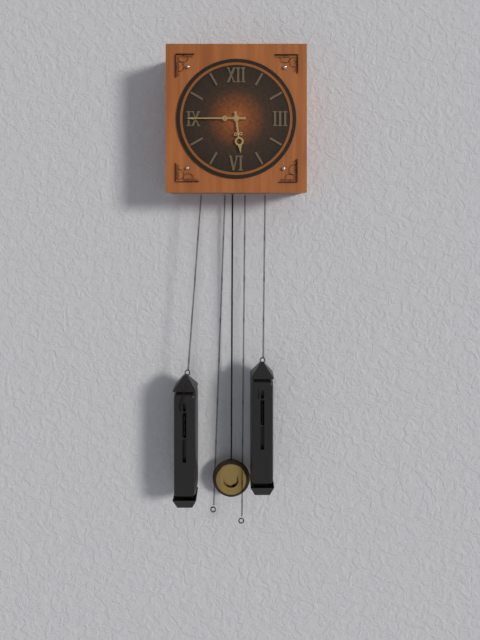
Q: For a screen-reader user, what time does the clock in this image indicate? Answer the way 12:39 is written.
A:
5:45
